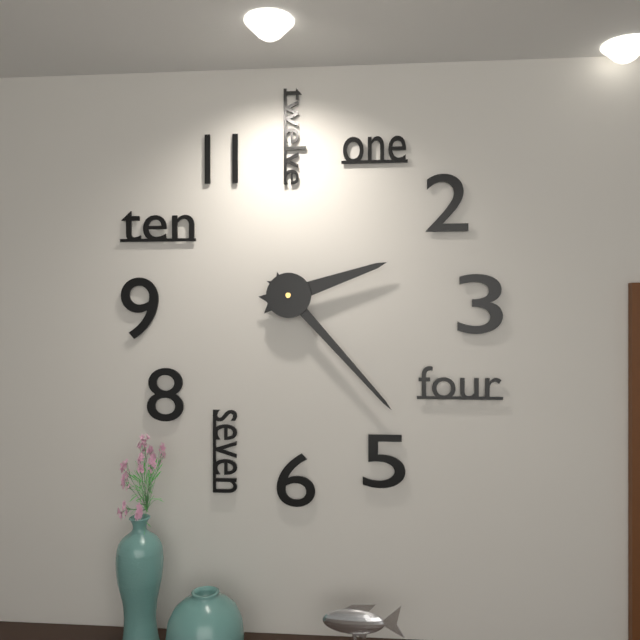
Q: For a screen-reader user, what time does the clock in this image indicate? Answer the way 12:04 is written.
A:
2:23
